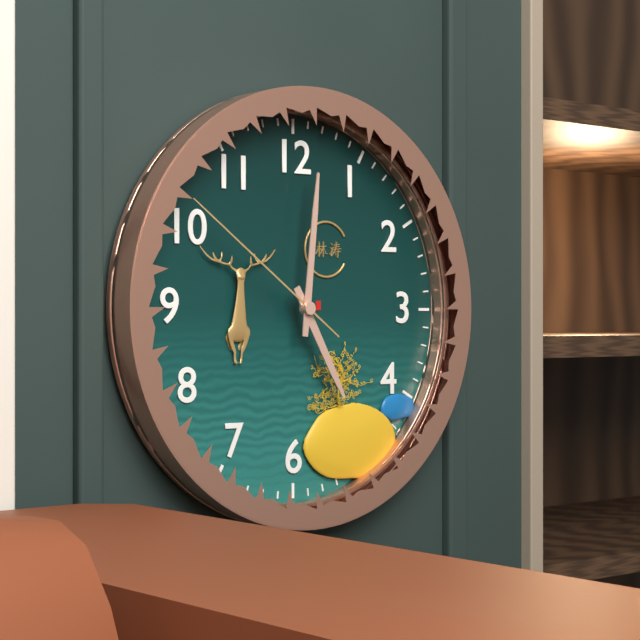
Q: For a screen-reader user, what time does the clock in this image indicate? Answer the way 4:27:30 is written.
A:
5:01:51
